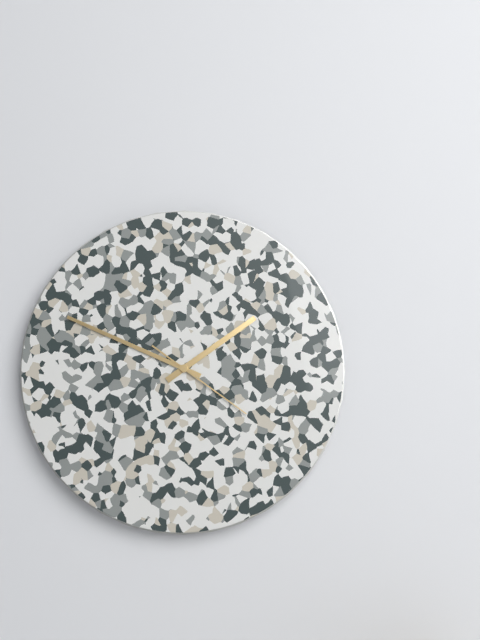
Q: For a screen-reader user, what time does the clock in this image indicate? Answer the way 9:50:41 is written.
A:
1:49:21
